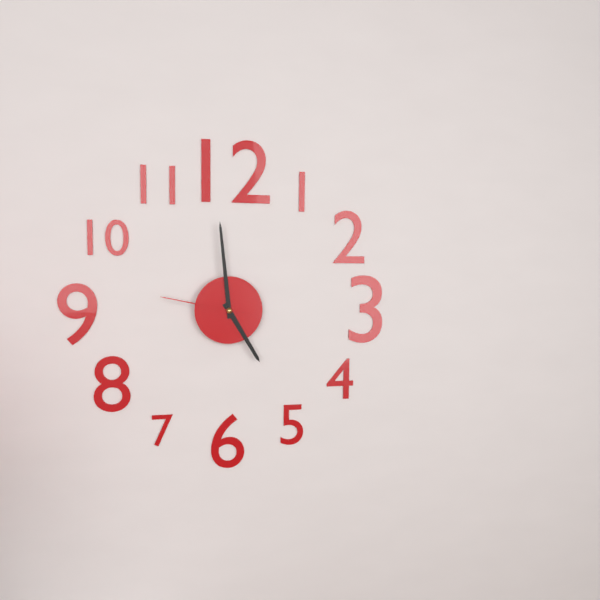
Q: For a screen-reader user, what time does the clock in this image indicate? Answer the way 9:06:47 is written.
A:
4:59:47
